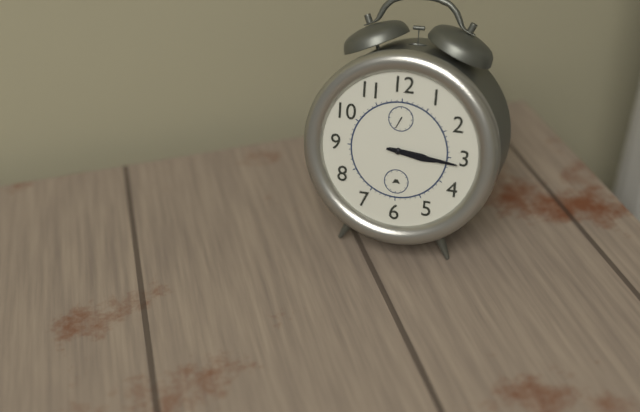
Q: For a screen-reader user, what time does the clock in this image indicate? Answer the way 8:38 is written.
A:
3:16
